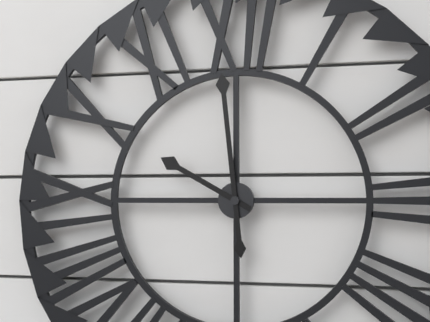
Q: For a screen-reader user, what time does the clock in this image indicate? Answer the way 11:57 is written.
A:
9:59
